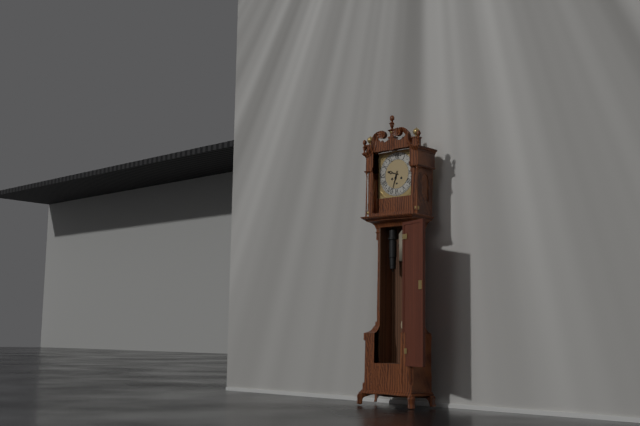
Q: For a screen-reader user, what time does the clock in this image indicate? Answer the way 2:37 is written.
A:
9:33
